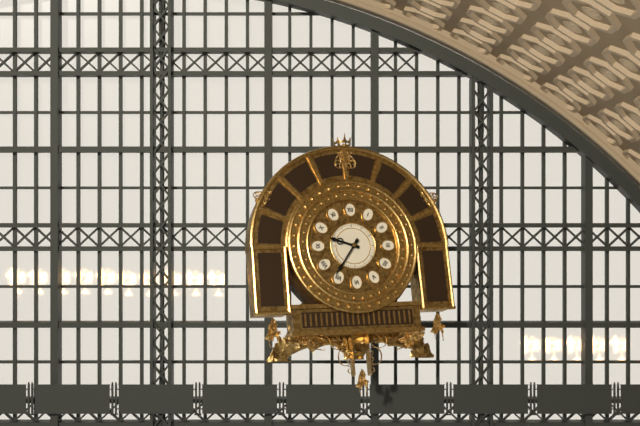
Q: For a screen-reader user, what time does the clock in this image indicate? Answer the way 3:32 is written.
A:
9:36
